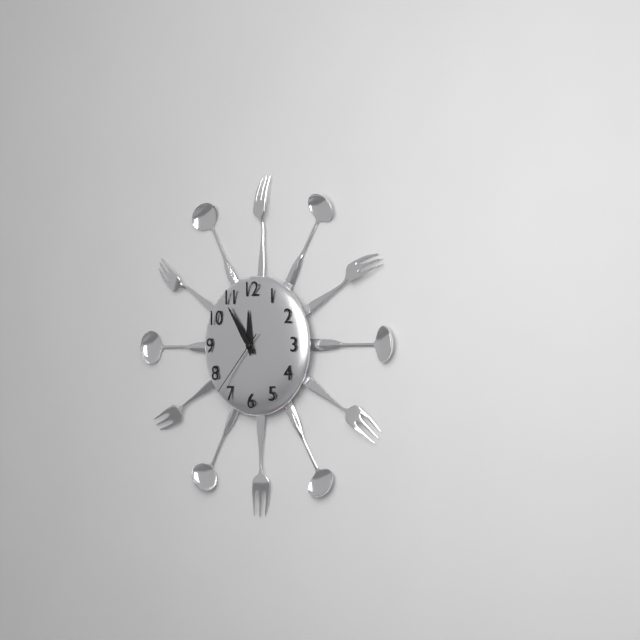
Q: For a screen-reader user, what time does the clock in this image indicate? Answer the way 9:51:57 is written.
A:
11:54:37
